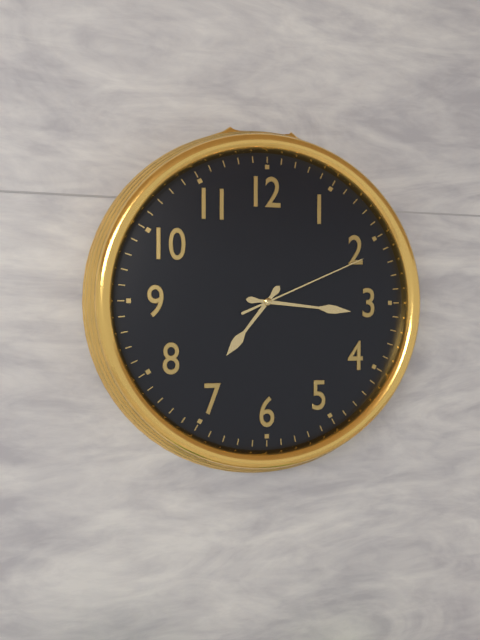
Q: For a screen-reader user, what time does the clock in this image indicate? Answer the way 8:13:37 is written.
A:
7:16:11
